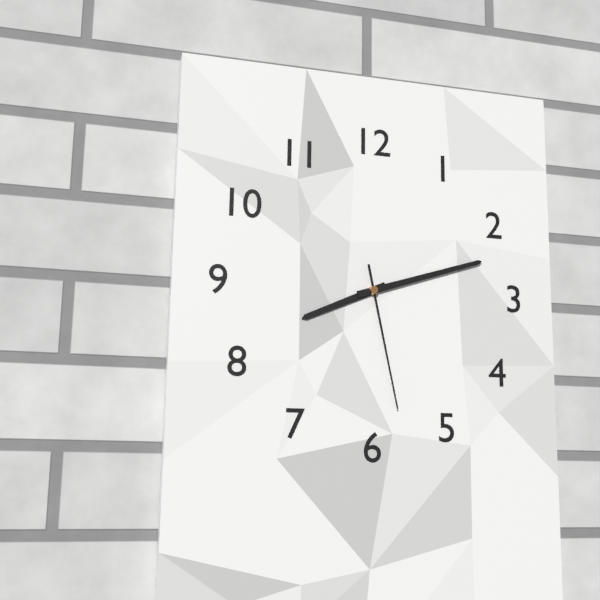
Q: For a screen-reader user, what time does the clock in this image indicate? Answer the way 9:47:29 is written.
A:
8:12:28
